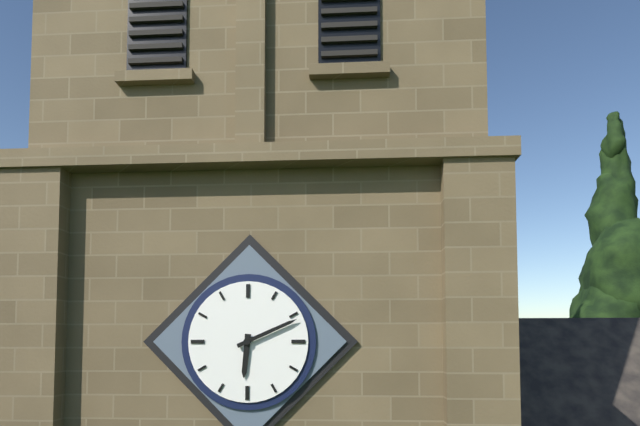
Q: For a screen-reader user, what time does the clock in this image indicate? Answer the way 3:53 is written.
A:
6:11
